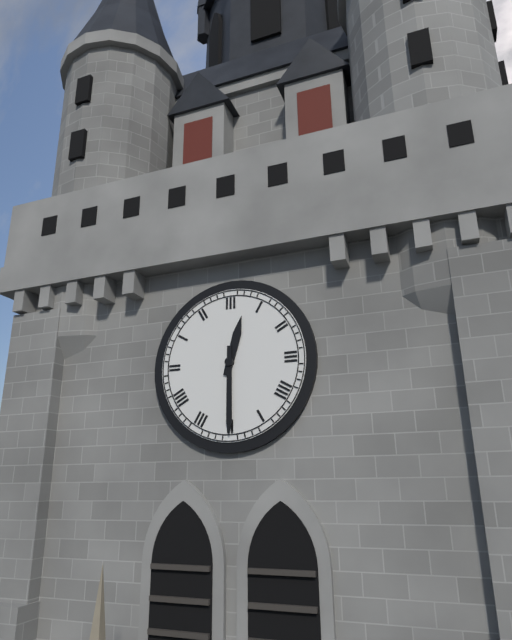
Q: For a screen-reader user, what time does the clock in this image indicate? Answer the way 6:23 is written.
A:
12:30
